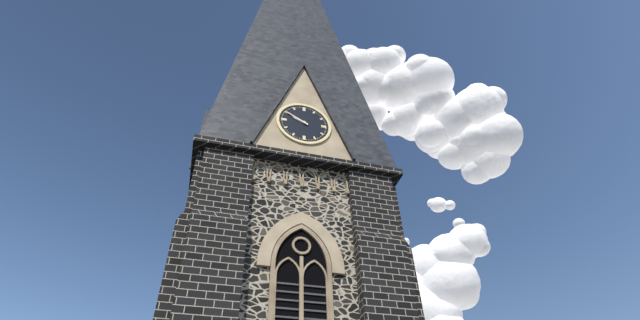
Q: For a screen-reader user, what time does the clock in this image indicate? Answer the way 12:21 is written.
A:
9:50
